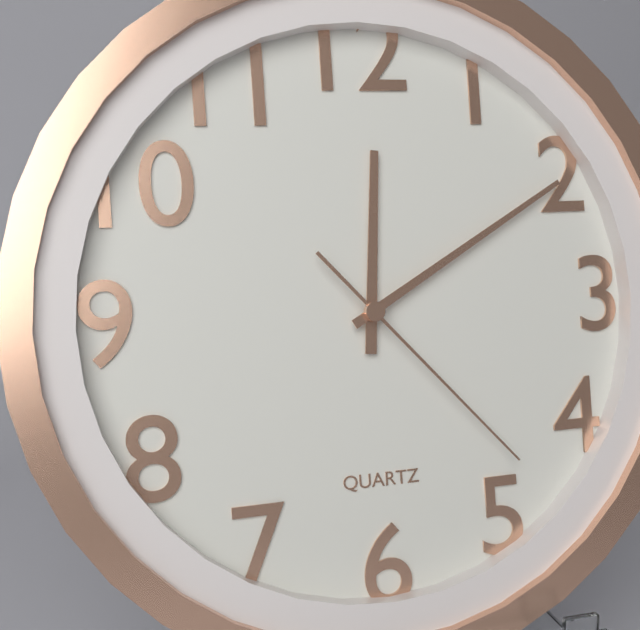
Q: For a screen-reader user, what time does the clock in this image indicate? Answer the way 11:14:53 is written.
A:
12:10:23
